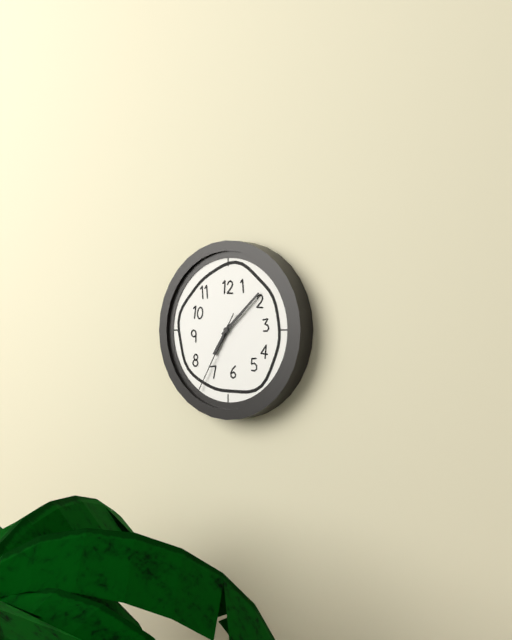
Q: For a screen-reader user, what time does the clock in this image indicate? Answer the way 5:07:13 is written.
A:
7:08:35
